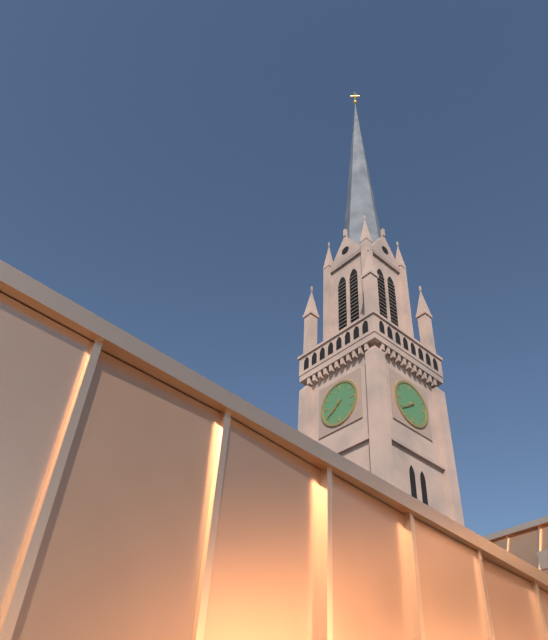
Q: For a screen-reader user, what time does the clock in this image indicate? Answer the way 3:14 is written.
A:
7:39
